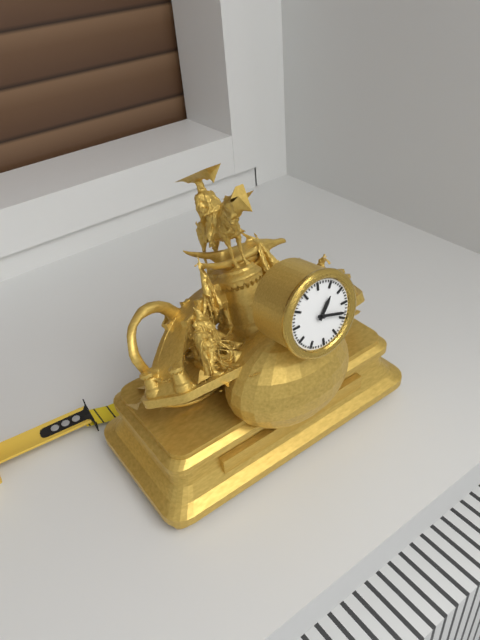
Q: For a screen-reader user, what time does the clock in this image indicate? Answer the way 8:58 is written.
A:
1:18
